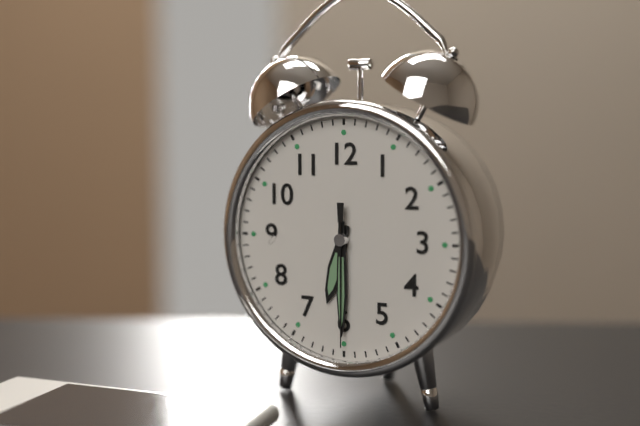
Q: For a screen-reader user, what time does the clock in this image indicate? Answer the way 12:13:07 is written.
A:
6:30:30
